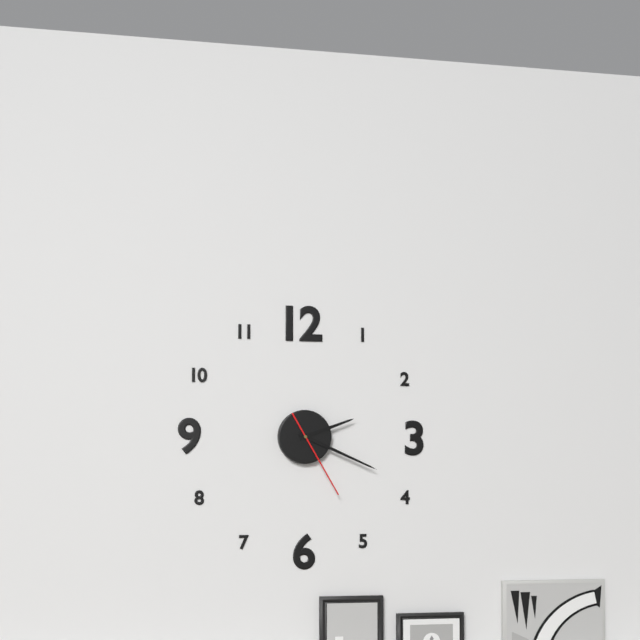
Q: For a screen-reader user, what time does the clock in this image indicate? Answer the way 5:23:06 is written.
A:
2:19:25
